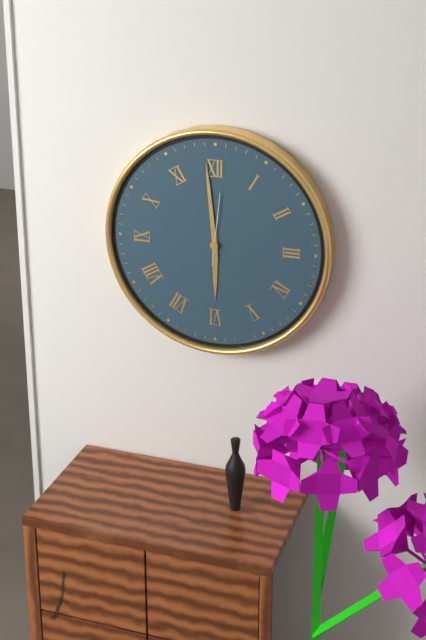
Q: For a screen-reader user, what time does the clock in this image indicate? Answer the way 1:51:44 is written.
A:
5:59:01
